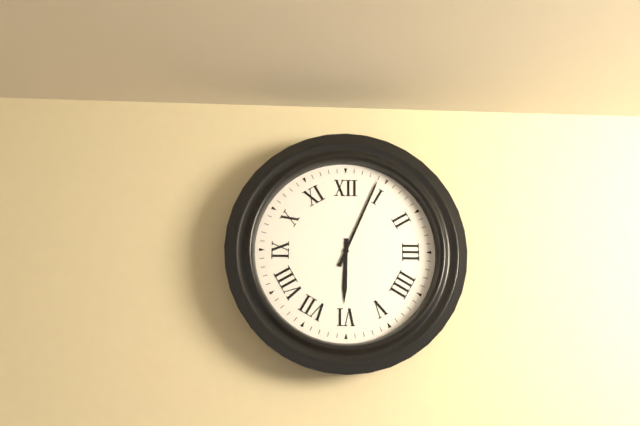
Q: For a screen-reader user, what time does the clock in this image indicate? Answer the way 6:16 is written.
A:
6:04
